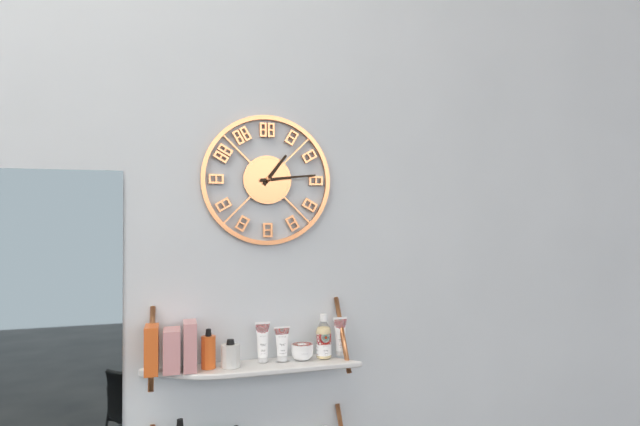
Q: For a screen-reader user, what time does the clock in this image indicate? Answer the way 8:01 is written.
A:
1:14
